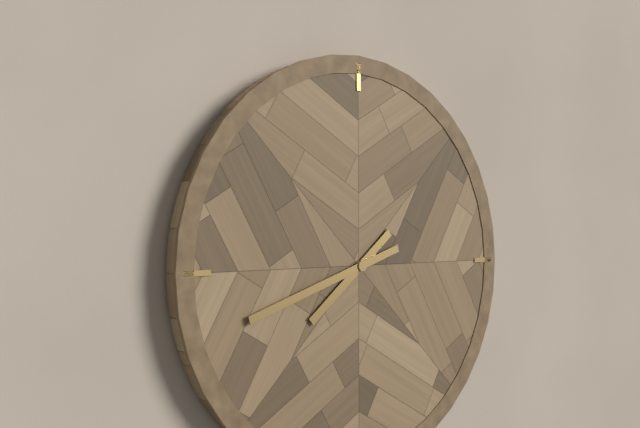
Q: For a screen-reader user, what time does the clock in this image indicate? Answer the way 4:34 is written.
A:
7:42
